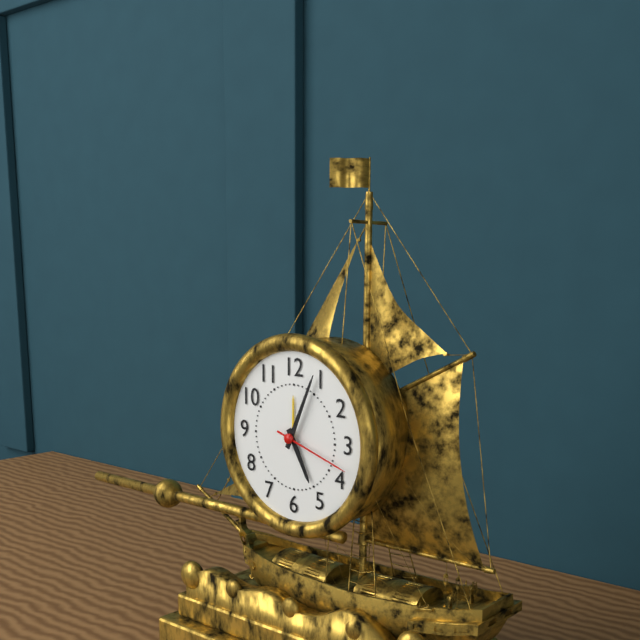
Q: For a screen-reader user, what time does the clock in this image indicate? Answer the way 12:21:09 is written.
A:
5:04:18
